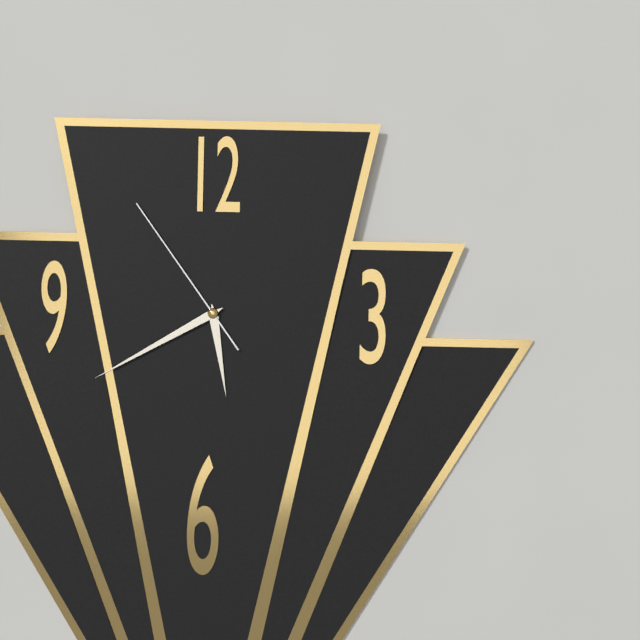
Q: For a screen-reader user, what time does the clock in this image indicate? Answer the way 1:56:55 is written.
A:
5:40:54
